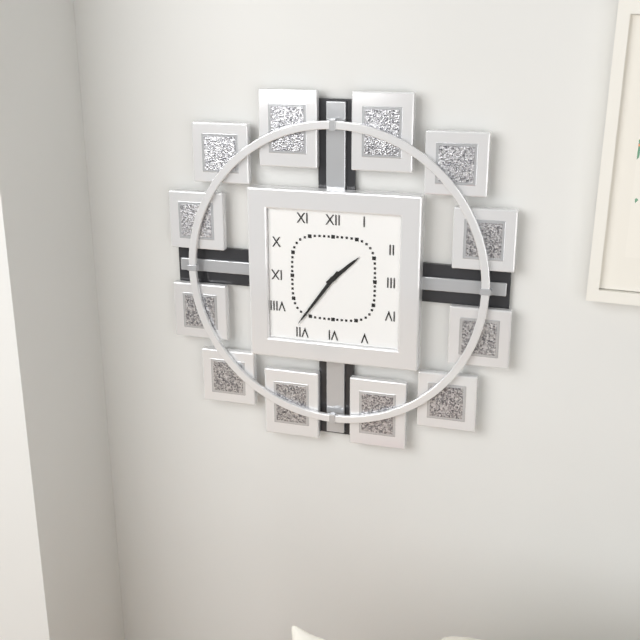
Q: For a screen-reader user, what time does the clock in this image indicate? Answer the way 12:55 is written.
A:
1:36
